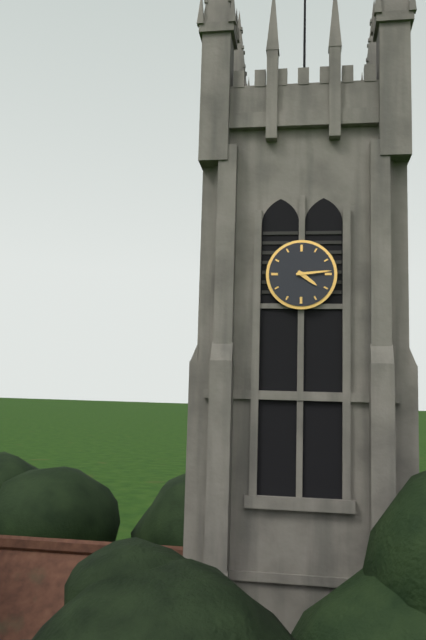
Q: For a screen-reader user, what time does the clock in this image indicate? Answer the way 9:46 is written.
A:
4:14
